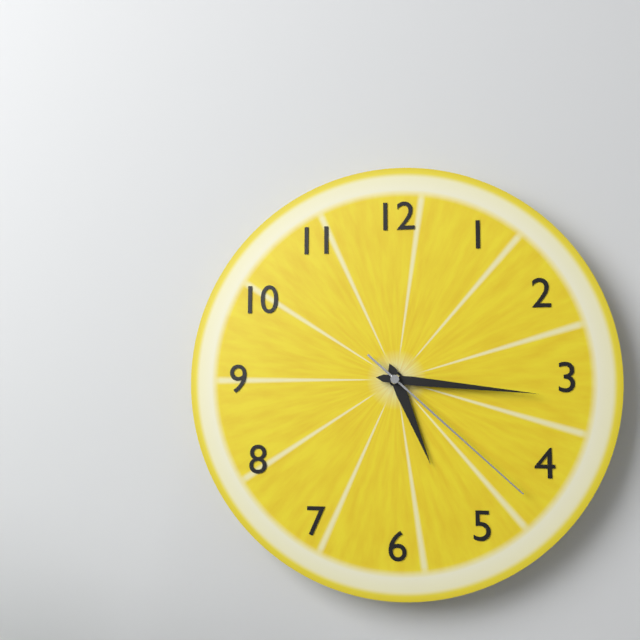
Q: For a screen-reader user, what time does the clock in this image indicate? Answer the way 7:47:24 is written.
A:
5:16:22
